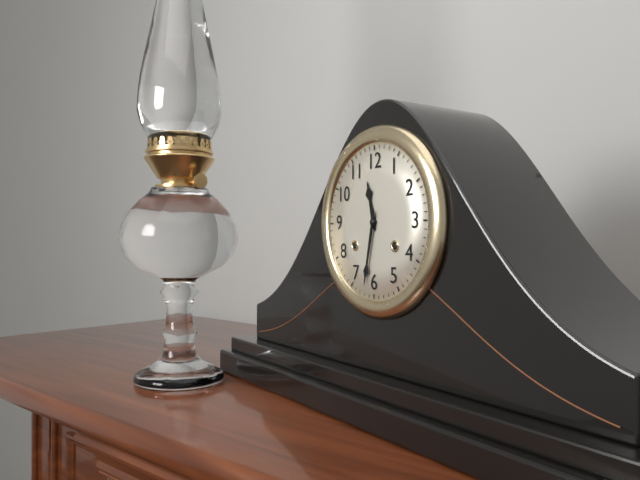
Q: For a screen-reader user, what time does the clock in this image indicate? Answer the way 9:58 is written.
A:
11:32
